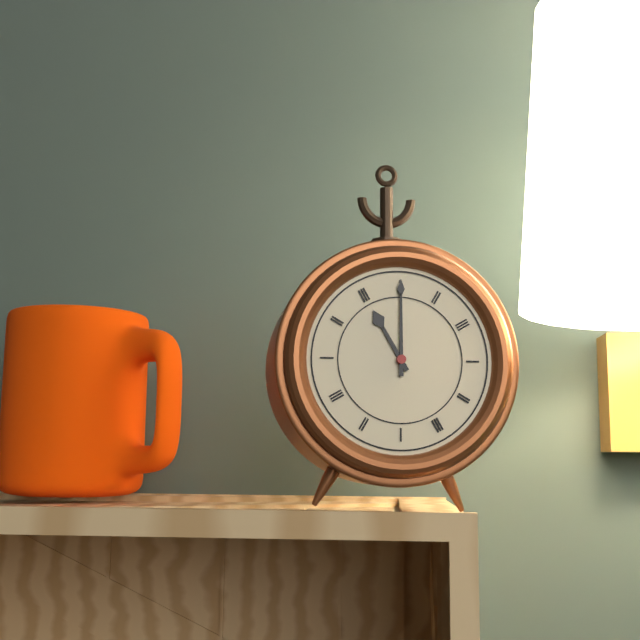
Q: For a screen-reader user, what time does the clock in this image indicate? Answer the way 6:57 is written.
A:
11:00
